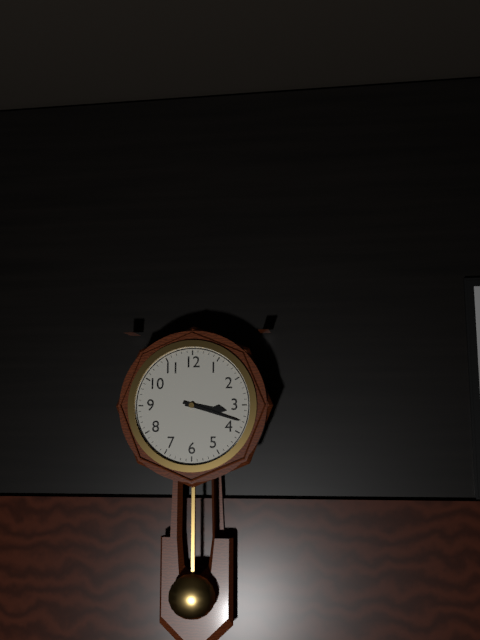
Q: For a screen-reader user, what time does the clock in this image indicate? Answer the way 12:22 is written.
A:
3:18
